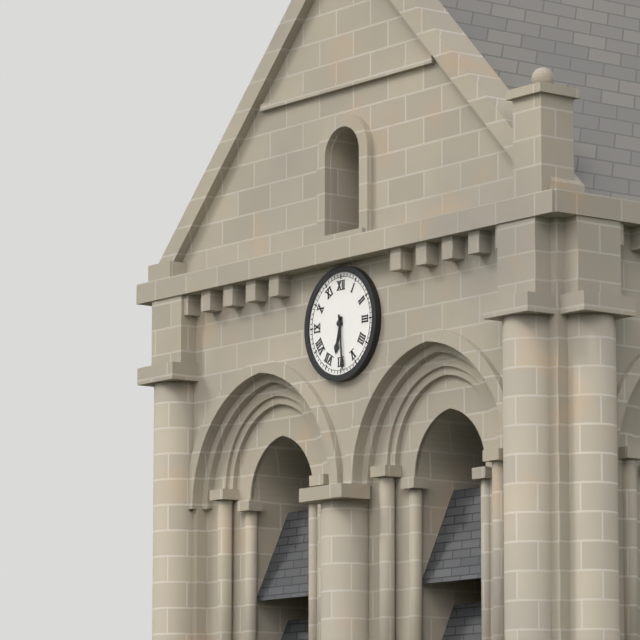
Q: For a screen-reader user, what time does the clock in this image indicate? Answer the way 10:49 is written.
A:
6:29
